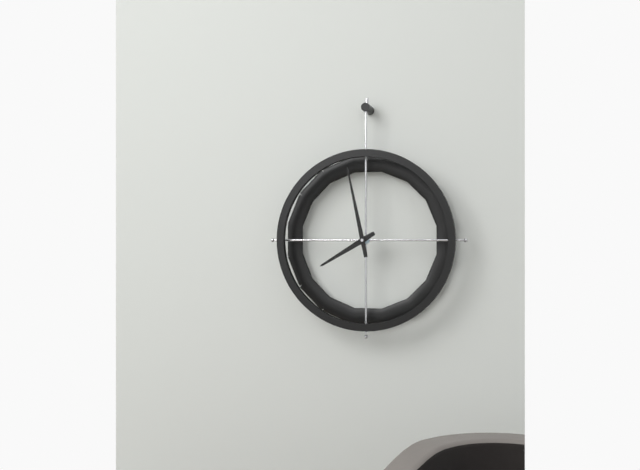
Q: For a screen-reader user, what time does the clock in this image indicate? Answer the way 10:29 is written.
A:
7:58
